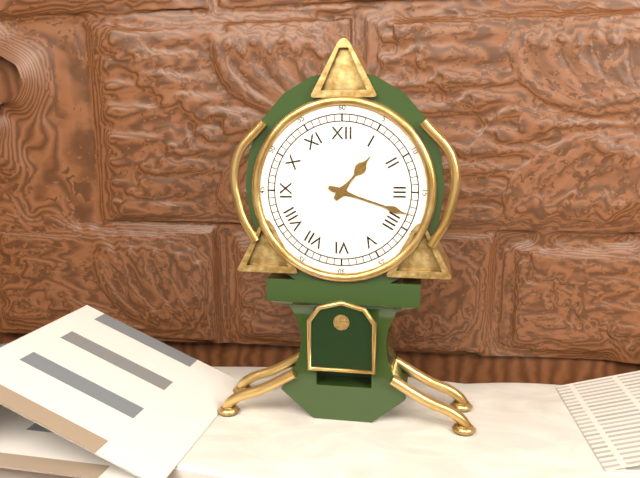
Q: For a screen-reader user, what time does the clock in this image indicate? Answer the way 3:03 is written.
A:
1:18
